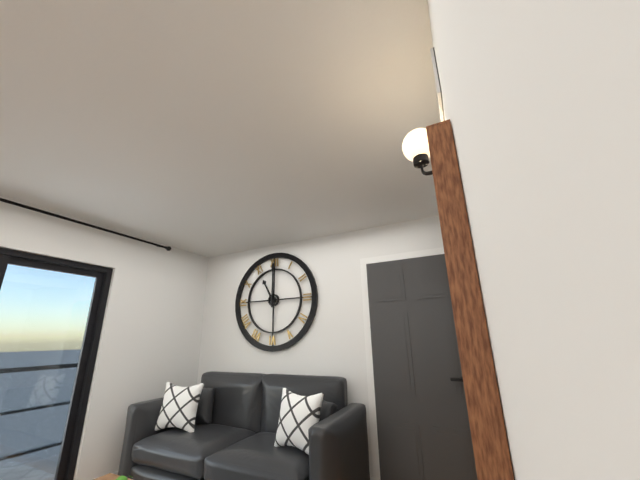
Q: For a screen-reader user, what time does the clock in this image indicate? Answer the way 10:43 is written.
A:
11:00
